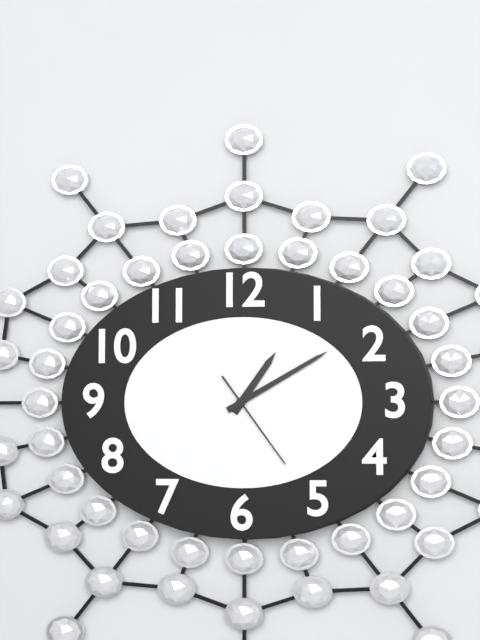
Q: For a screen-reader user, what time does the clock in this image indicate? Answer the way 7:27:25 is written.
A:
1:10:24
